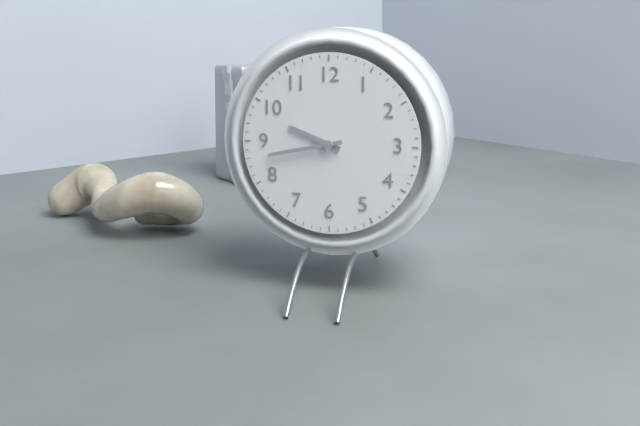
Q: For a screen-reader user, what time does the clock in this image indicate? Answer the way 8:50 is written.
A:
9:43
